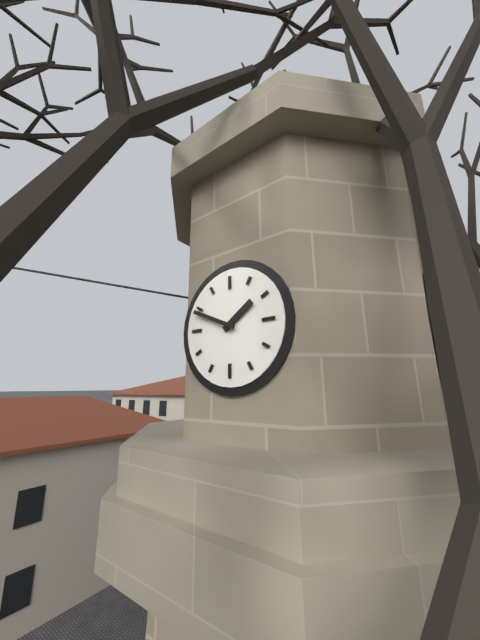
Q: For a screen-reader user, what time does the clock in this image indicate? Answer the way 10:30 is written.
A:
1:49
